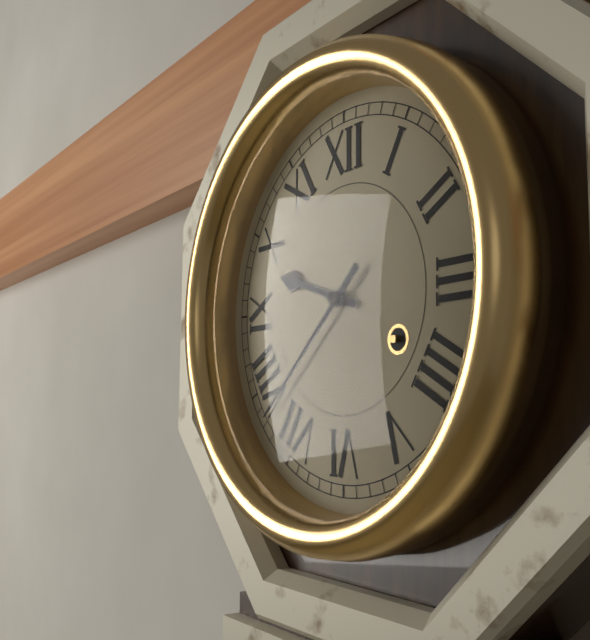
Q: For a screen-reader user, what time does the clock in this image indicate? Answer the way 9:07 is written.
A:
9:38
